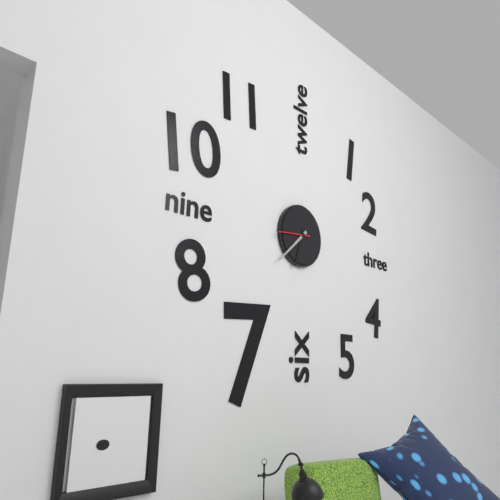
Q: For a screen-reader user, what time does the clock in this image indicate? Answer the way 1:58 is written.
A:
6:38
